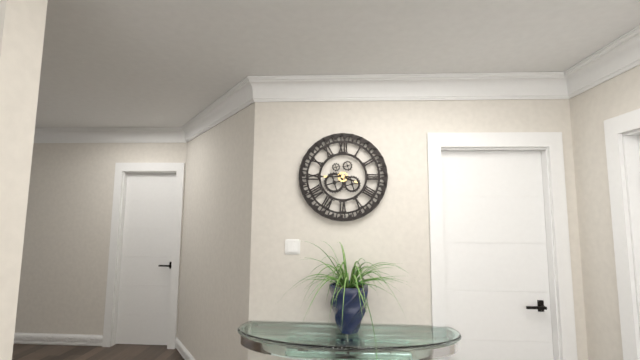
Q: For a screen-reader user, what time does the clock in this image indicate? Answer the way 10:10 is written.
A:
3:45
